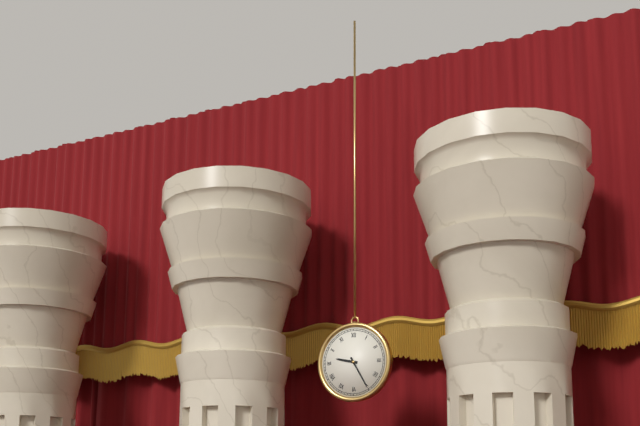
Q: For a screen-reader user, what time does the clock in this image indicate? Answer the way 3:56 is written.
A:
9:25
